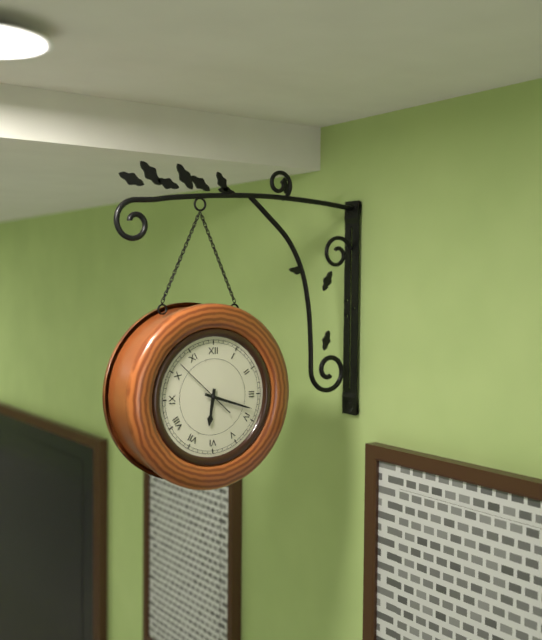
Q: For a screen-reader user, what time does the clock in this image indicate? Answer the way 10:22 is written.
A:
6:18
